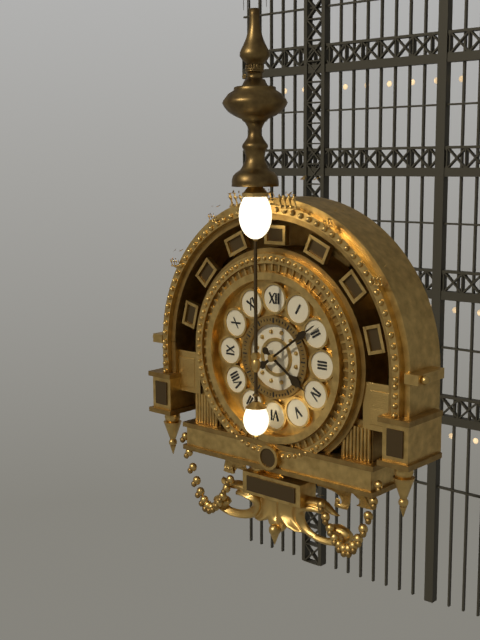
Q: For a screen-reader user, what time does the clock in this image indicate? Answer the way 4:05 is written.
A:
4:09
